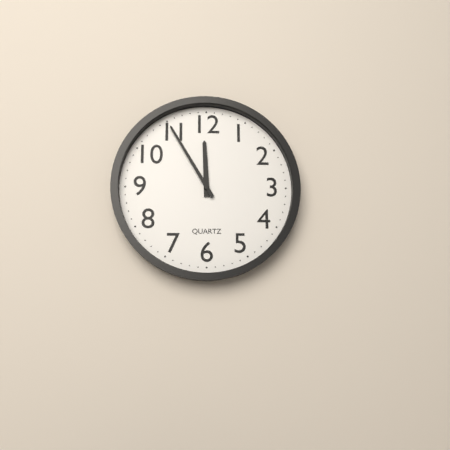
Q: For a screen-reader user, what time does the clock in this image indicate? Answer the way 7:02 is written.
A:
11:55
